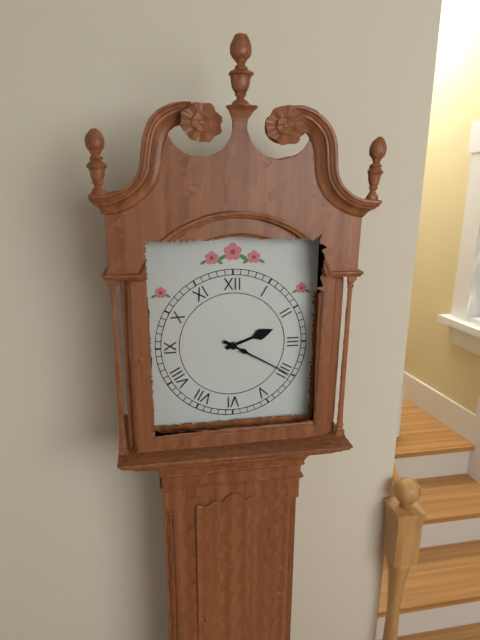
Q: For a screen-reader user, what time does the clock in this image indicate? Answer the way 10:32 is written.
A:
2:20
